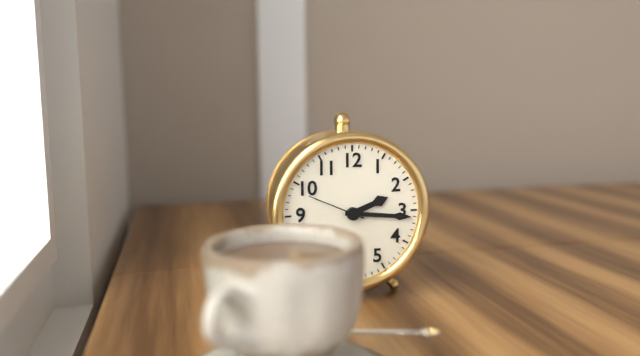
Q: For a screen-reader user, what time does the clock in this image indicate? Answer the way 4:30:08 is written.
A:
2:16:49
